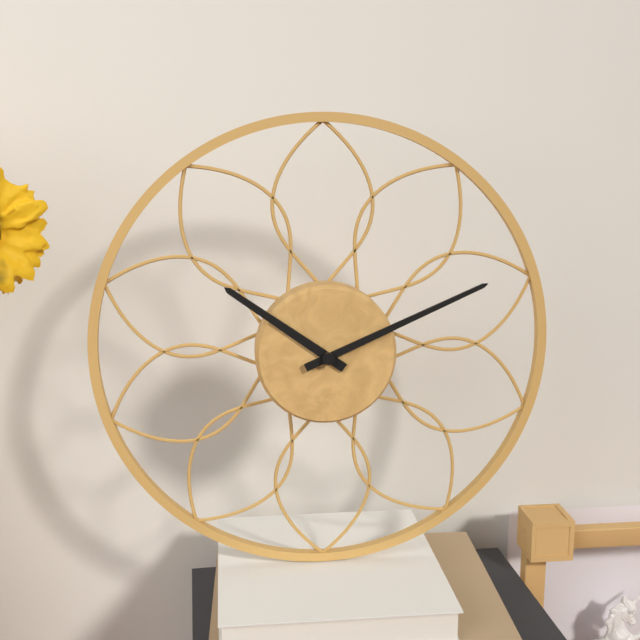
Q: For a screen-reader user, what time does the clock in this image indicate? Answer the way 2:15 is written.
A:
10:11
